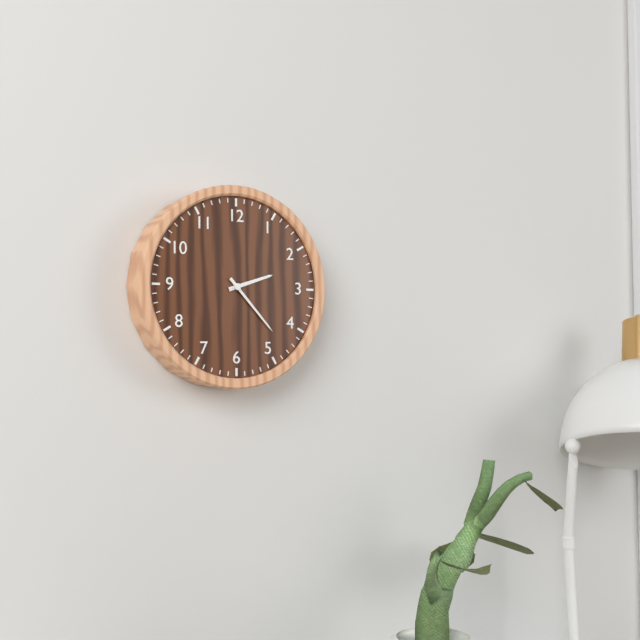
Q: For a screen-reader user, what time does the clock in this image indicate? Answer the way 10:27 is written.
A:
2:23
